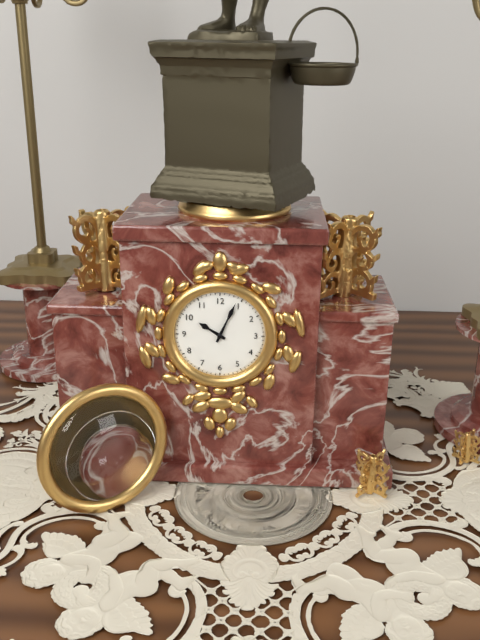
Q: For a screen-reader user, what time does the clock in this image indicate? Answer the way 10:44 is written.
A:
10:04
